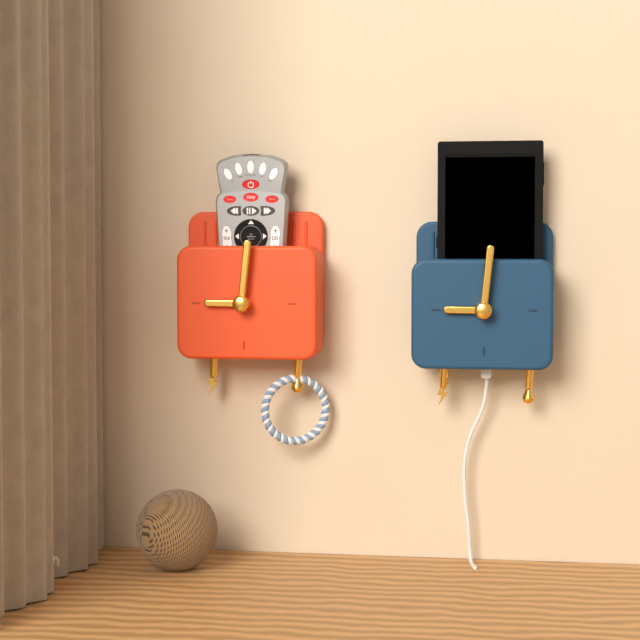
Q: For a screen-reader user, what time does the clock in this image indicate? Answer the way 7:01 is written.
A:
9:01
